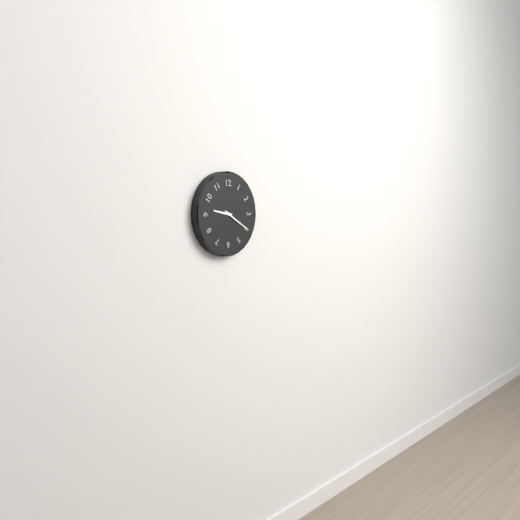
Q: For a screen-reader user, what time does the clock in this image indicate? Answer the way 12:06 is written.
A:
9:20
